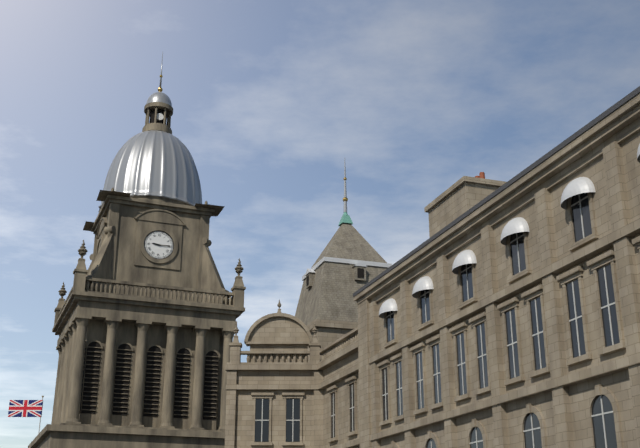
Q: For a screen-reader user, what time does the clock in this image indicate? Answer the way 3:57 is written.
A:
9:15
